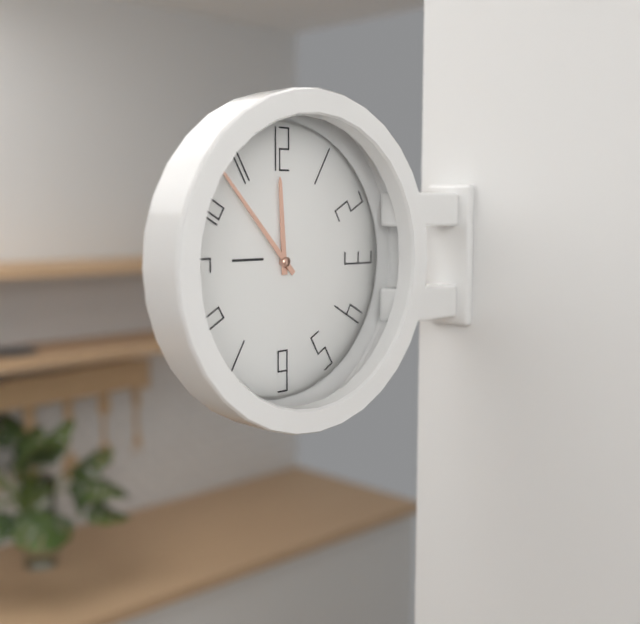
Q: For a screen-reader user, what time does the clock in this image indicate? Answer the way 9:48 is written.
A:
11:53
